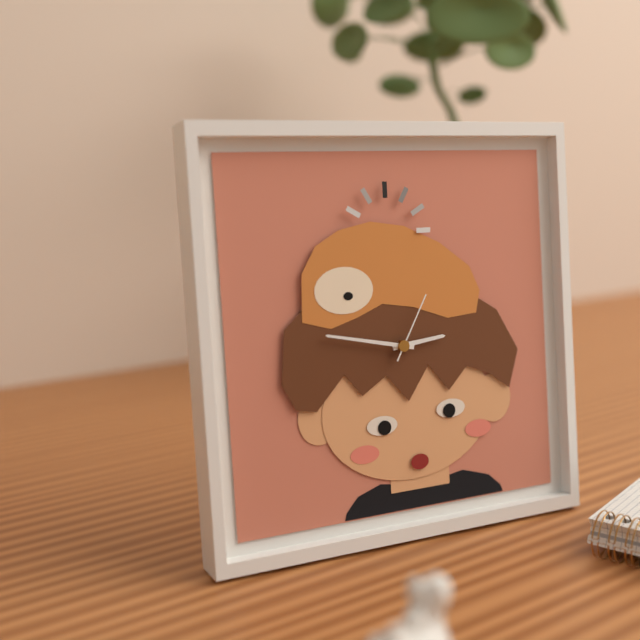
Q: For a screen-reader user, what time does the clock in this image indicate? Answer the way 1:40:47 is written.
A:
2:47:05
